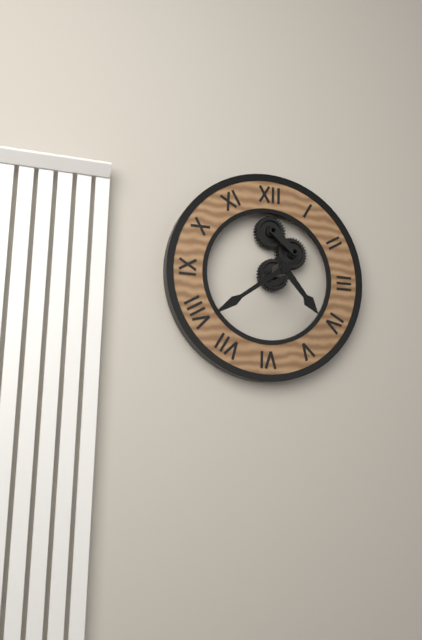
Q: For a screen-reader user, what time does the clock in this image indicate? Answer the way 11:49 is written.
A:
4:39
